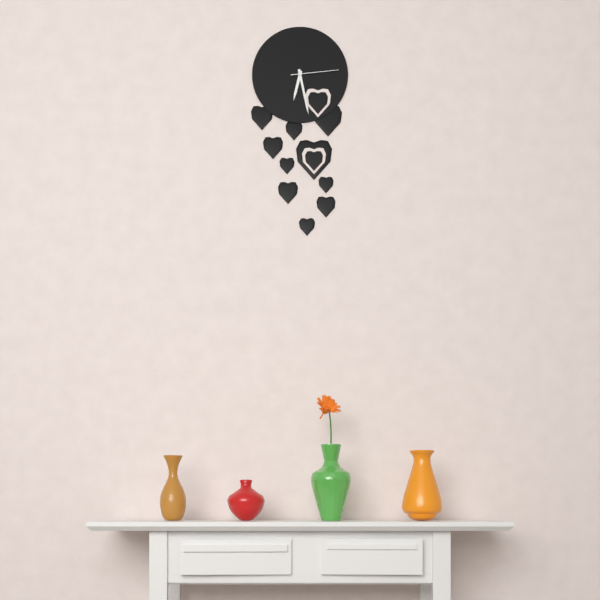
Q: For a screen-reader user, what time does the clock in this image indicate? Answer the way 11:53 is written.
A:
6:28
